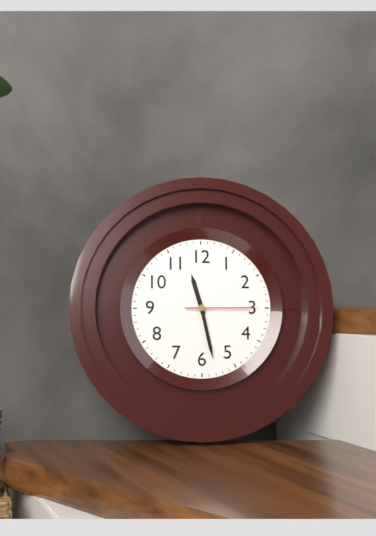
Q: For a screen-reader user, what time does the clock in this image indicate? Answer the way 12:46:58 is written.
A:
11:28:15
